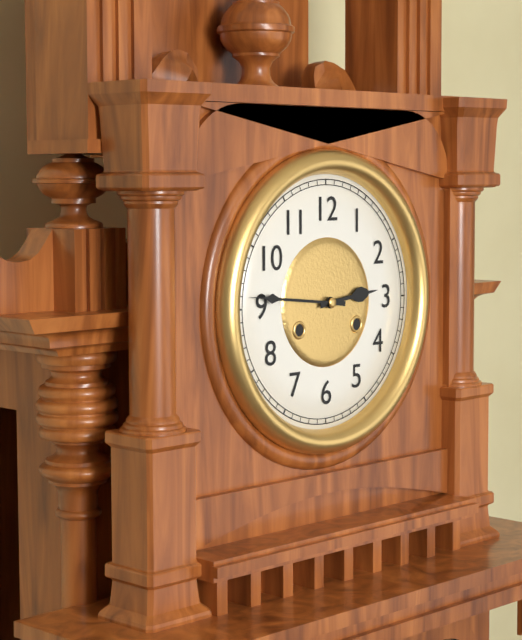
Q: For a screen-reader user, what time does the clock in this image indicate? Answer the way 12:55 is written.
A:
2:46
